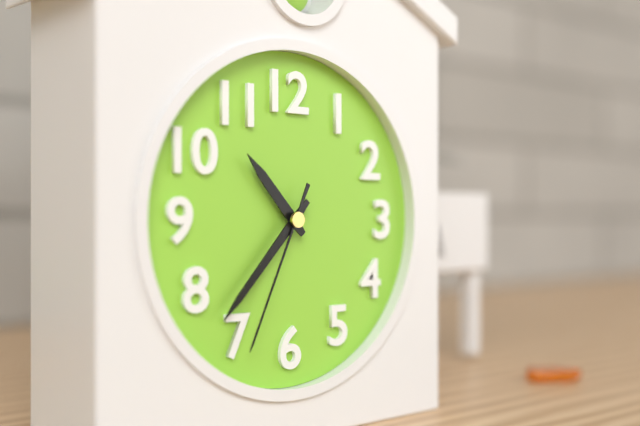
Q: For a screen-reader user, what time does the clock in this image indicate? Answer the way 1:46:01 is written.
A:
10:37:34
